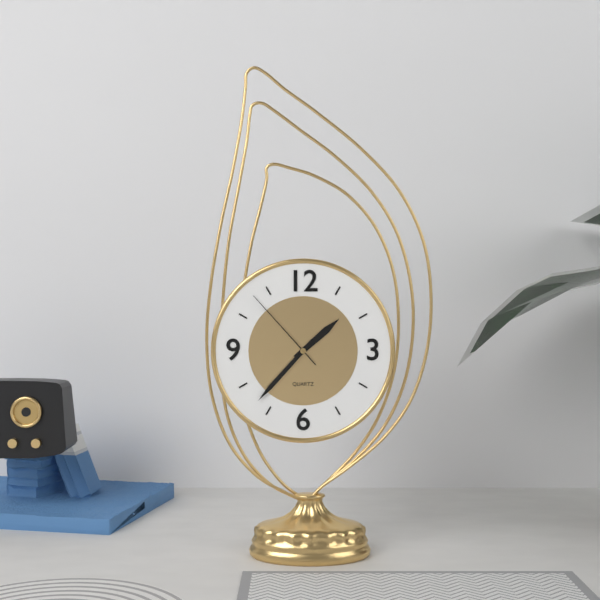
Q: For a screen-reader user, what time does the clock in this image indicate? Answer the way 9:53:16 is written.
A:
1:37:53
